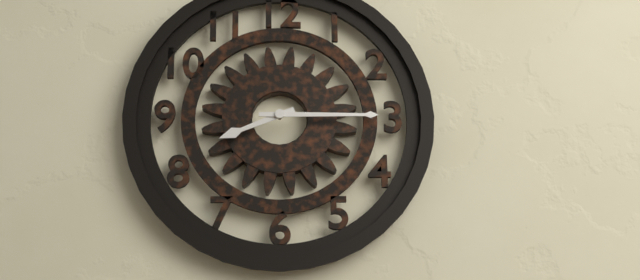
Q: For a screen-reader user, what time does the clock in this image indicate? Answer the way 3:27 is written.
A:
8:15
